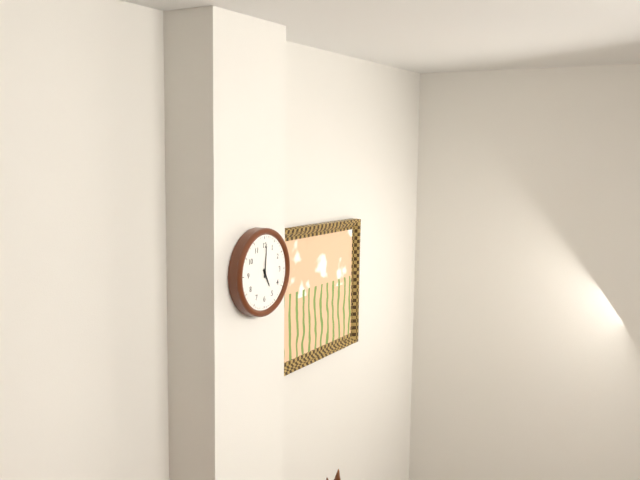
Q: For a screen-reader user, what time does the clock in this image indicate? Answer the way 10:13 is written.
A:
5:01
